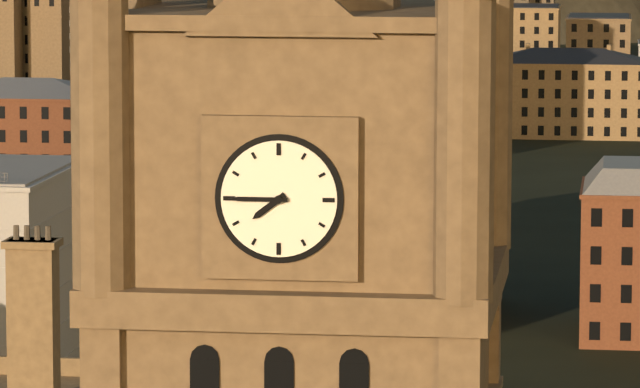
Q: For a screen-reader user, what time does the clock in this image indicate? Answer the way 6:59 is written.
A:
7:45
